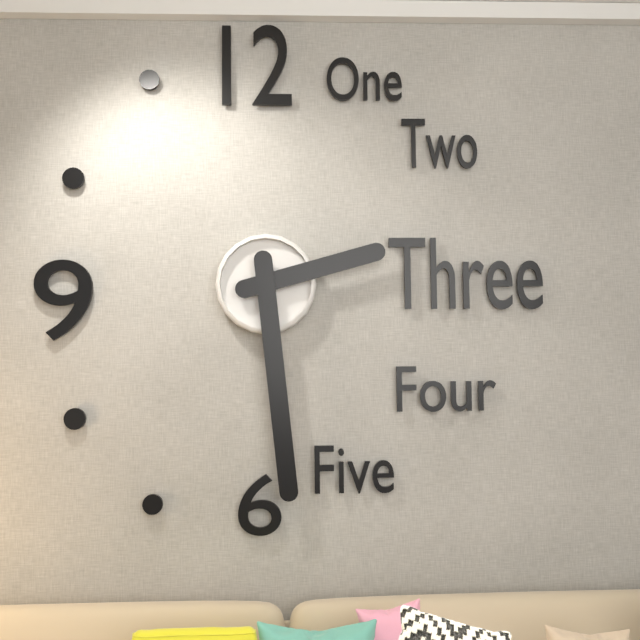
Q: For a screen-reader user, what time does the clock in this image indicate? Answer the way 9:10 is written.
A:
2:29
